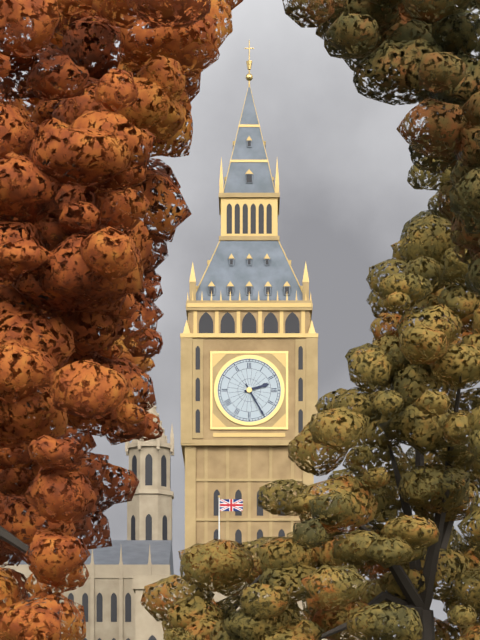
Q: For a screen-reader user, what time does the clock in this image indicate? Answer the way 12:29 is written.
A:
2:25
